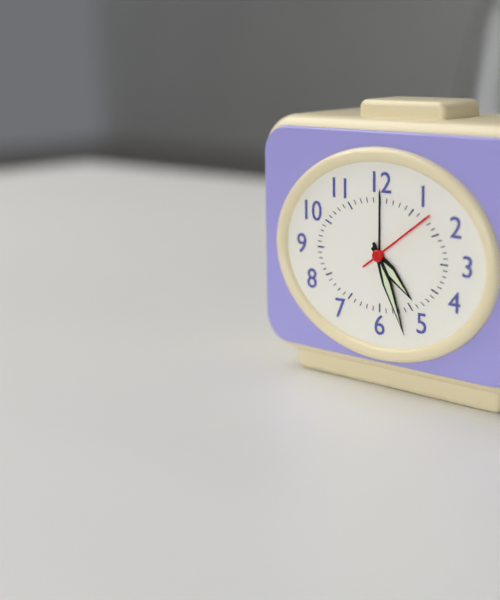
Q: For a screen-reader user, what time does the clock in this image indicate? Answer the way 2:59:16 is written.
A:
4:26:09
